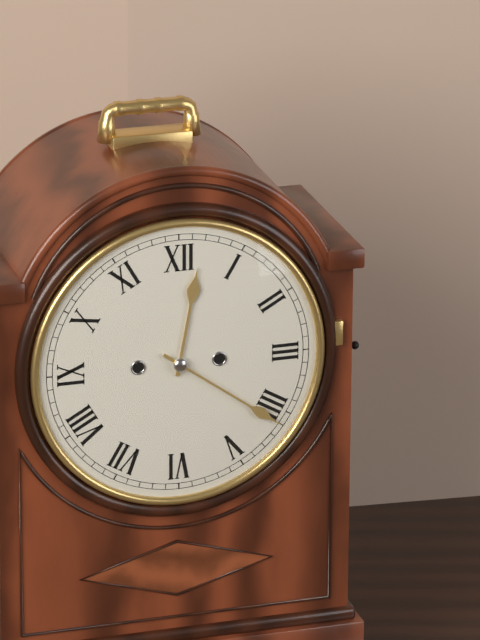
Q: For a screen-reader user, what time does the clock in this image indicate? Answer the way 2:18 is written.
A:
12:21
